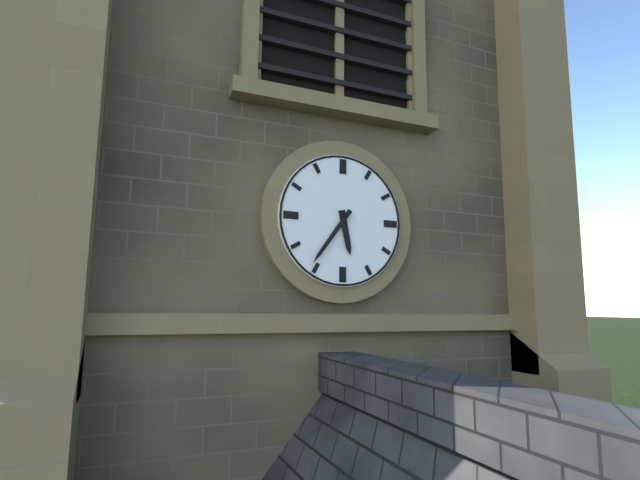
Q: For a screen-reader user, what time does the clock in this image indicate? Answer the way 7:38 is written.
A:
5:36
